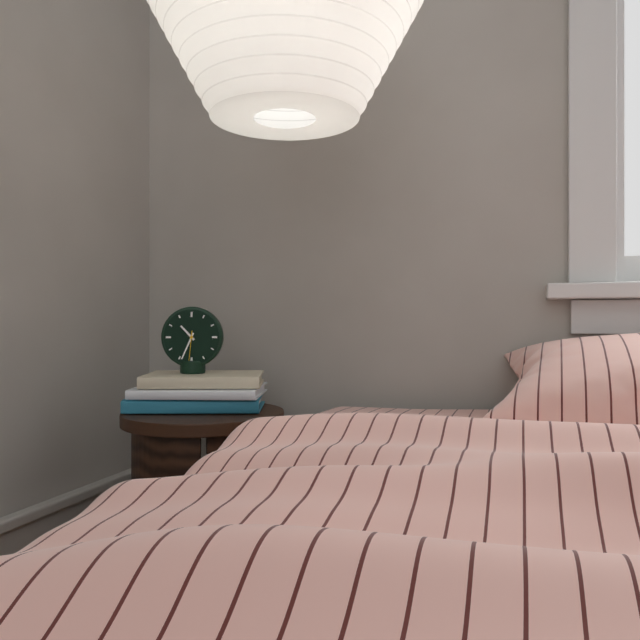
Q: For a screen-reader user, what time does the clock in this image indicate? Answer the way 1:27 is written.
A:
10:34
